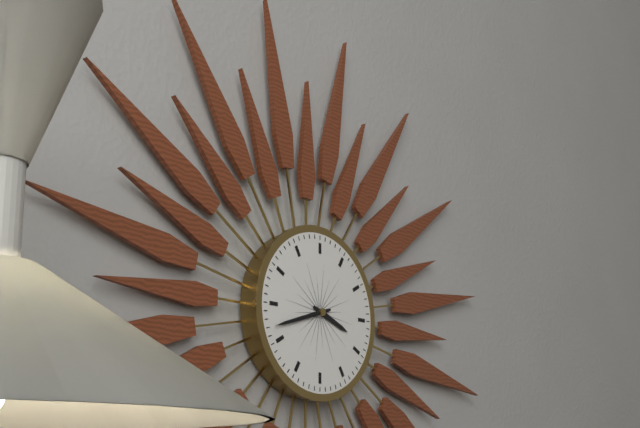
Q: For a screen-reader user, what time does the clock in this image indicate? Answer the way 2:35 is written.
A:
3:42
